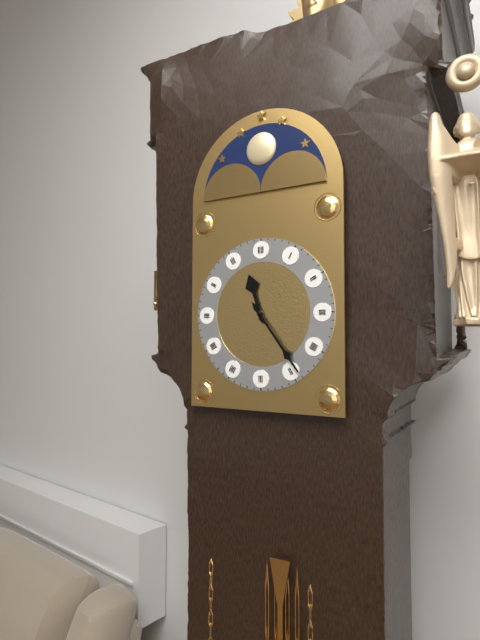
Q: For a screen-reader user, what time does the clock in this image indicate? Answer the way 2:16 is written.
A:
11:24
